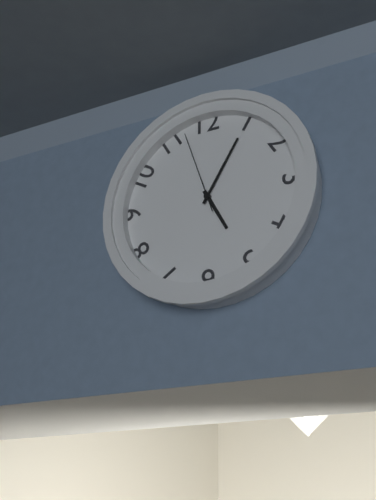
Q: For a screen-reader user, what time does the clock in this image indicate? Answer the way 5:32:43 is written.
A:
5:05:57
